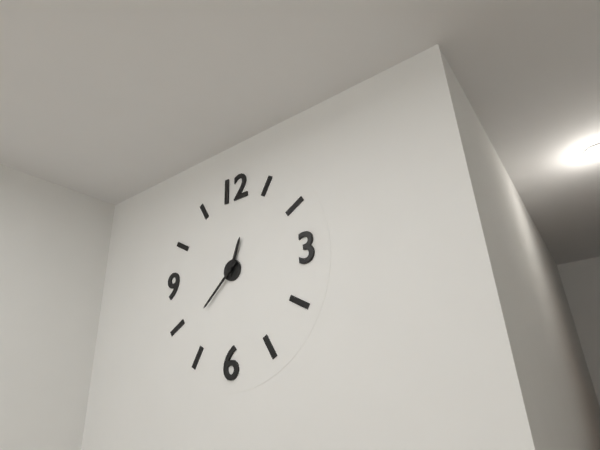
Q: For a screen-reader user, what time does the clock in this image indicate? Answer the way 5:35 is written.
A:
12:38
